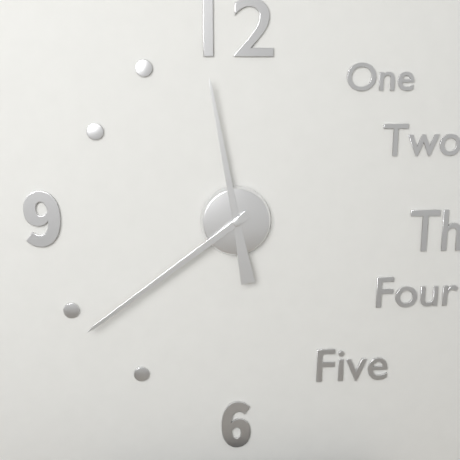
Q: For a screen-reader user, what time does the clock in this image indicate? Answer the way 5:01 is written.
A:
11:39
